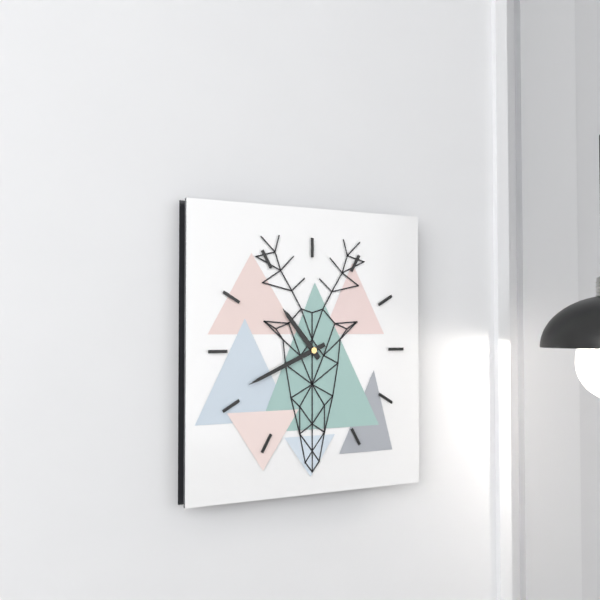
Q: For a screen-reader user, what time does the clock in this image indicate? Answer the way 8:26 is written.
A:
10:41
